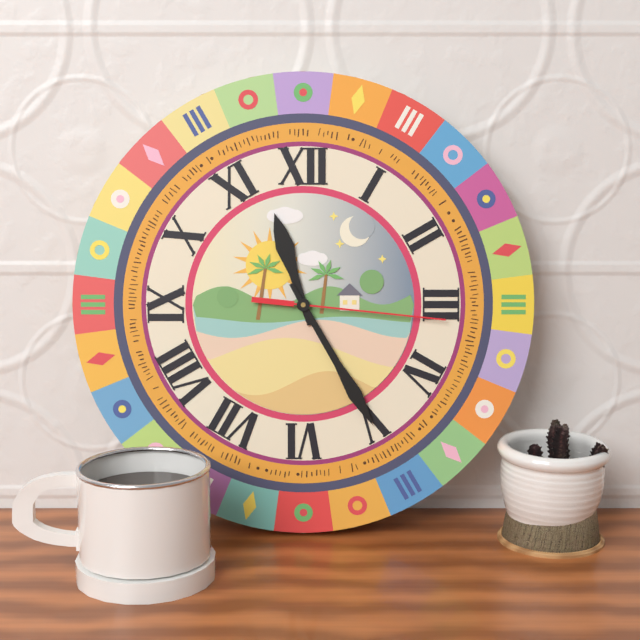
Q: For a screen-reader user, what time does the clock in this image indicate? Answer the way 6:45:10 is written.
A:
11:25:16
